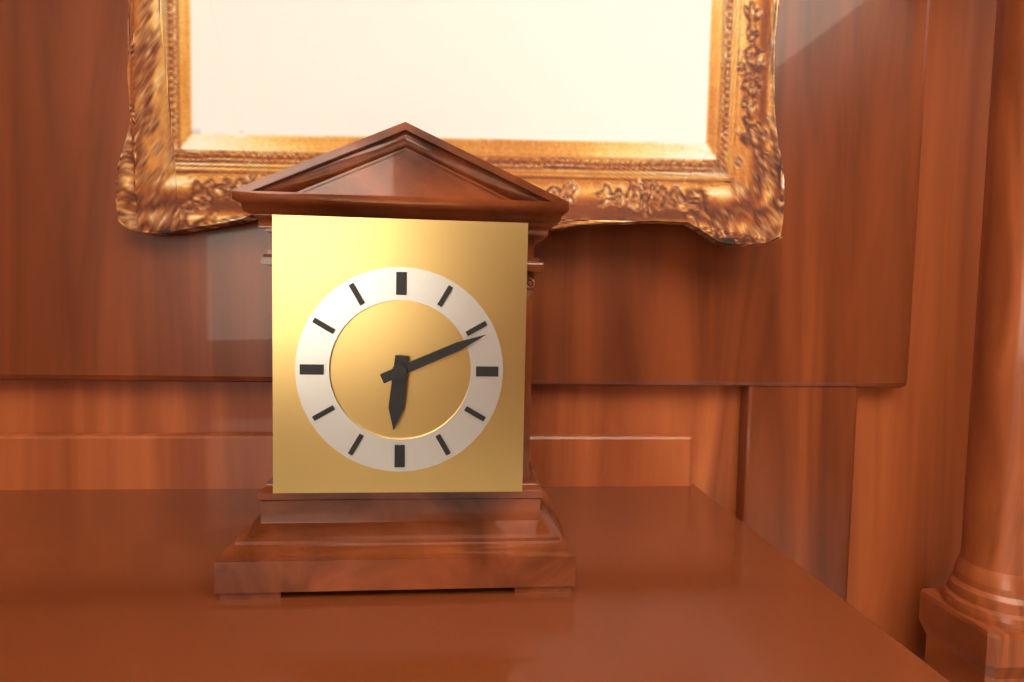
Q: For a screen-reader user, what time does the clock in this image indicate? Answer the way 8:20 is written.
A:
6:11
